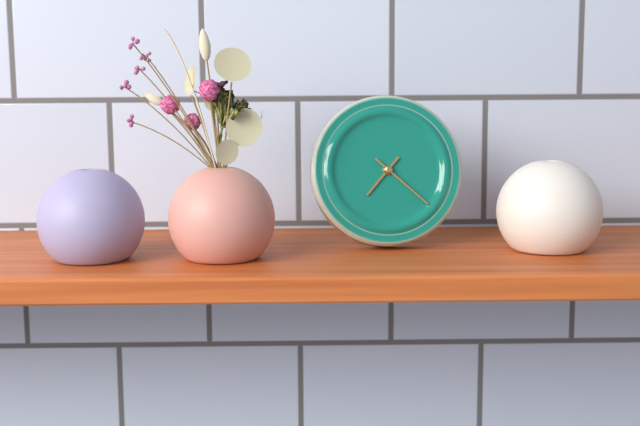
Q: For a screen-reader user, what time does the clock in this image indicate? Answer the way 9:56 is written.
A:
7:22
